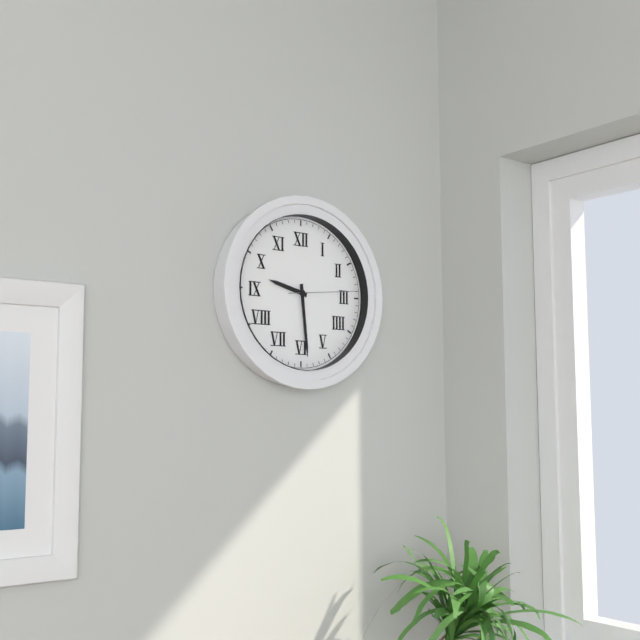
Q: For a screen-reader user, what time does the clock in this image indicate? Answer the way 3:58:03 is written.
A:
9:29:14
